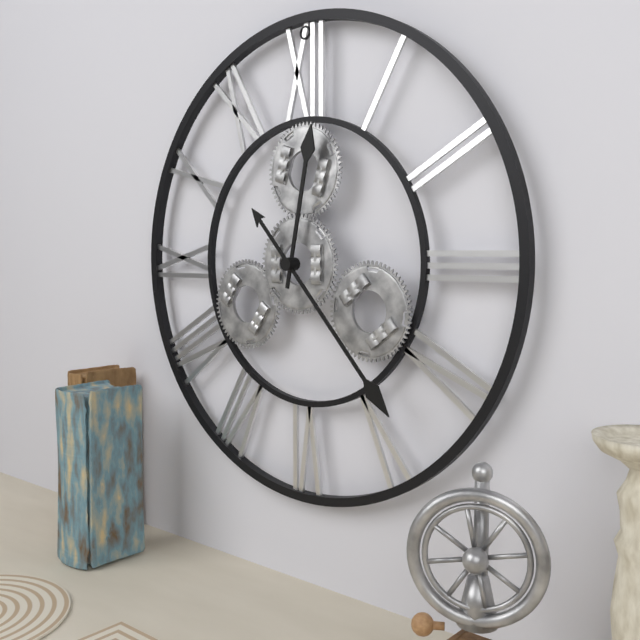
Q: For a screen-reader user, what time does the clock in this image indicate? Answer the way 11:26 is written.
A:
12:23
